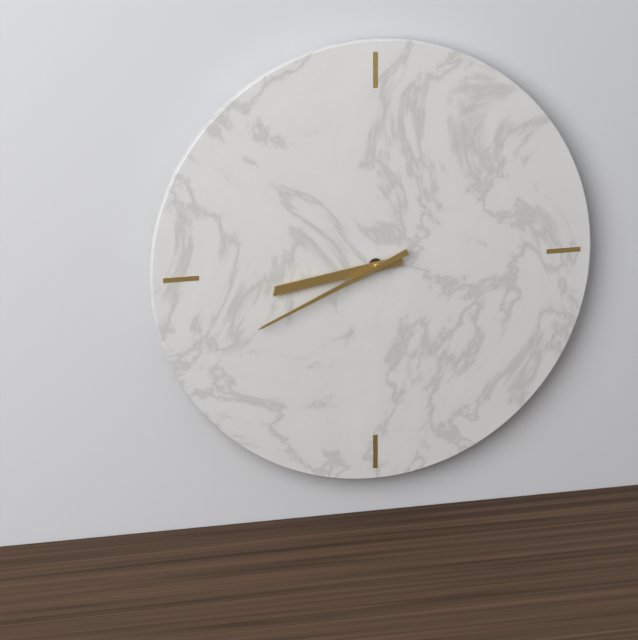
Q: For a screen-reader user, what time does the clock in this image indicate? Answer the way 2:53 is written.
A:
8:41
